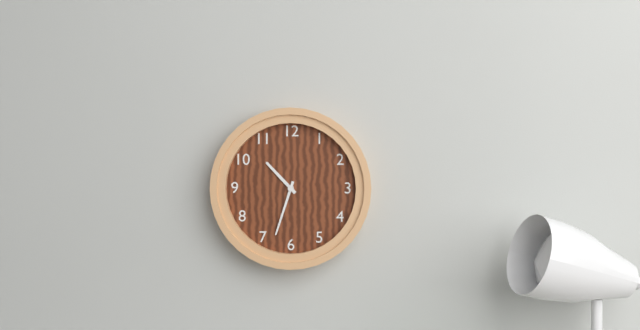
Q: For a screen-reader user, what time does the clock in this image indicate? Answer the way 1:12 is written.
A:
10:33
